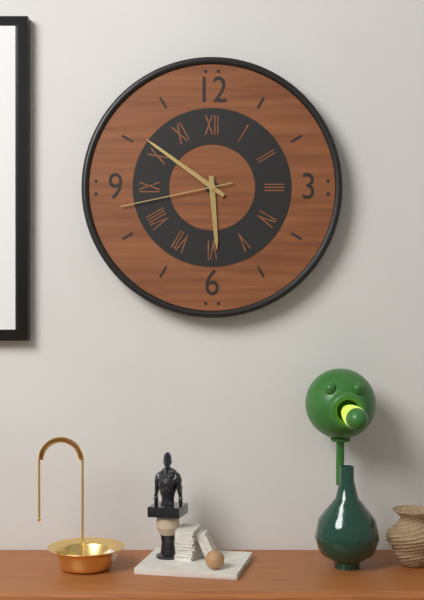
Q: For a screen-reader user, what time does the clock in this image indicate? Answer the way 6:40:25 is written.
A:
5:51:43
